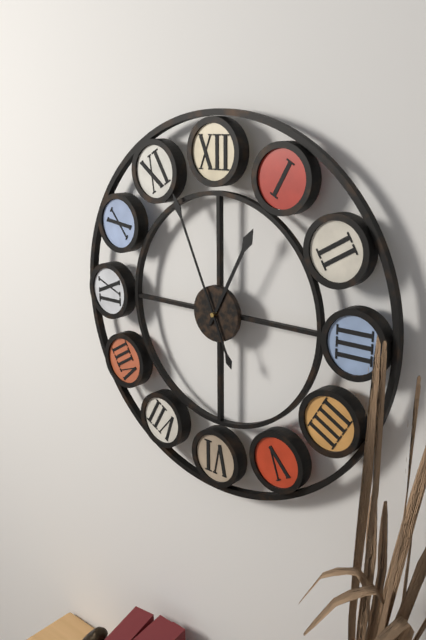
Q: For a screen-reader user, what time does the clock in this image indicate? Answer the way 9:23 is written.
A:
12:56
